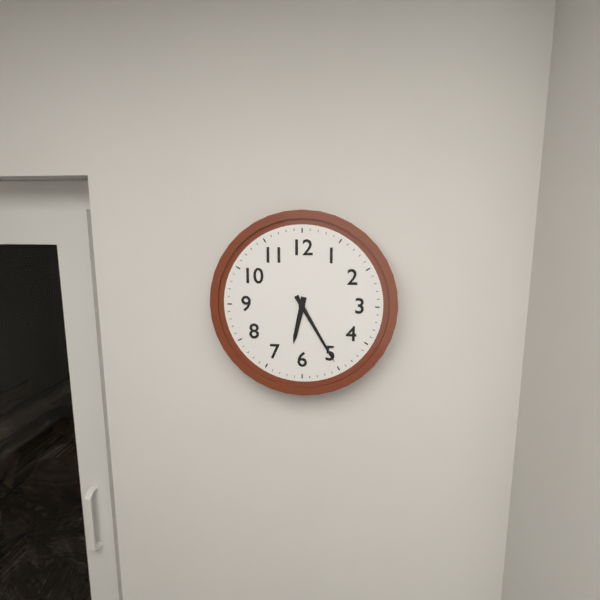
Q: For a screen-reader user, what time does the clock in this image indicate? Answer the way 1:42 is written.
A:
6:25
